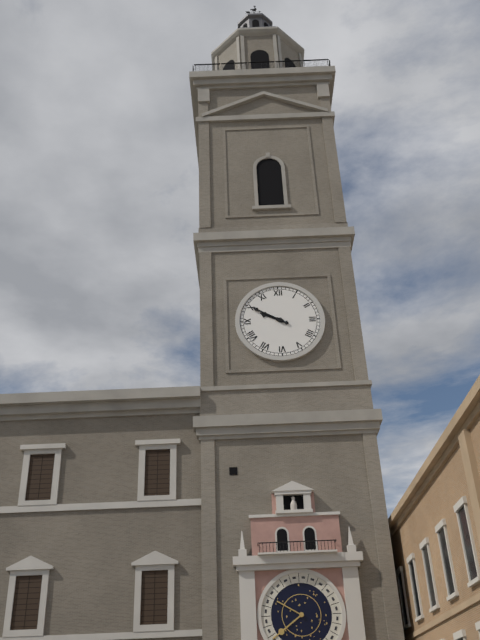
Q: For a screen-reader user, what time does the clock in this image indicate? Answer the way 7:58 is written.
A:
9:50
